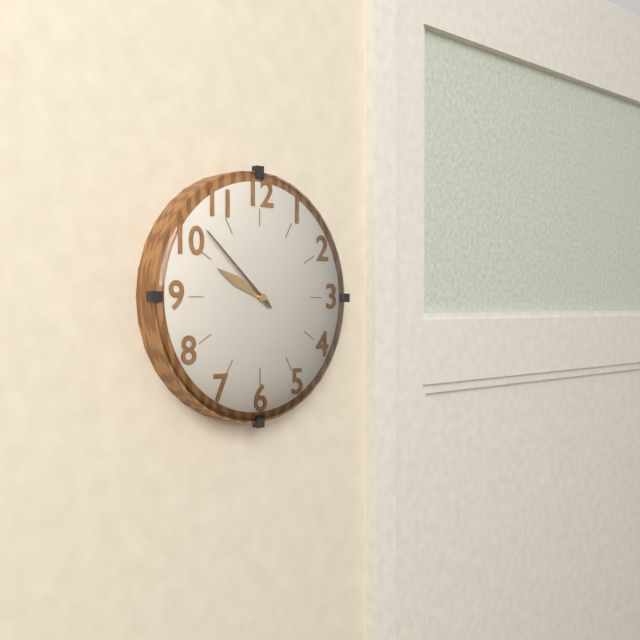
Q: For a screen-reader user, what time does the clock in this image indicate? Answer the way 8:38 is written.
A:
9:52
